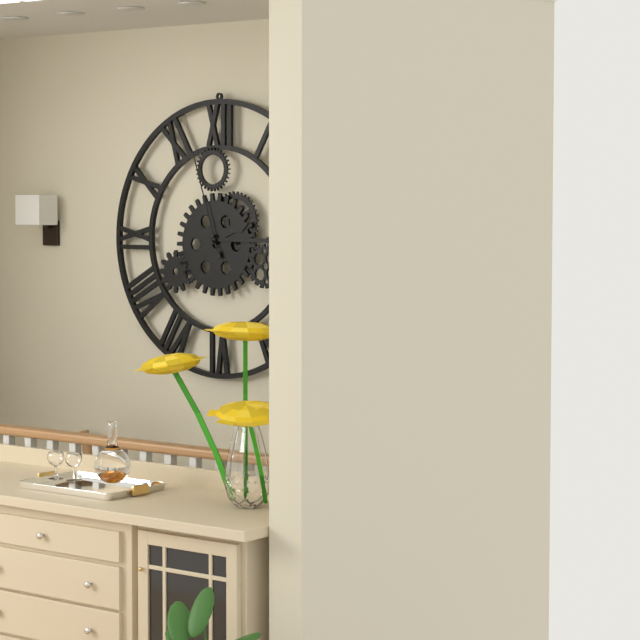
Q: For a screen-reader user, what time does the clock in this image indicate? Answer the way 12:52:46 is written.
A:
2:15:57
